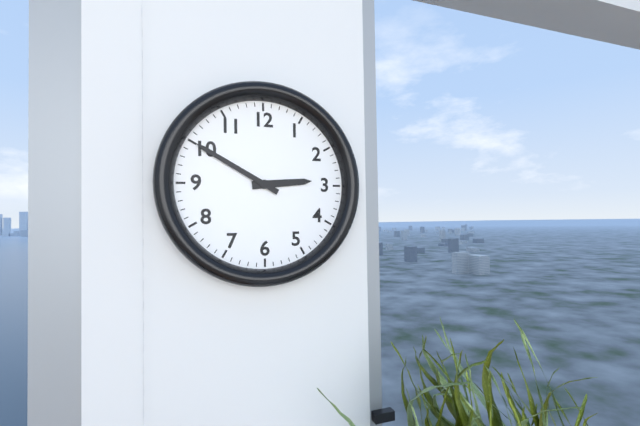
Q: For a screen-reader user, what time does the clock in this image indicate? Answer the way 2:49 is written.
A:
2:50
